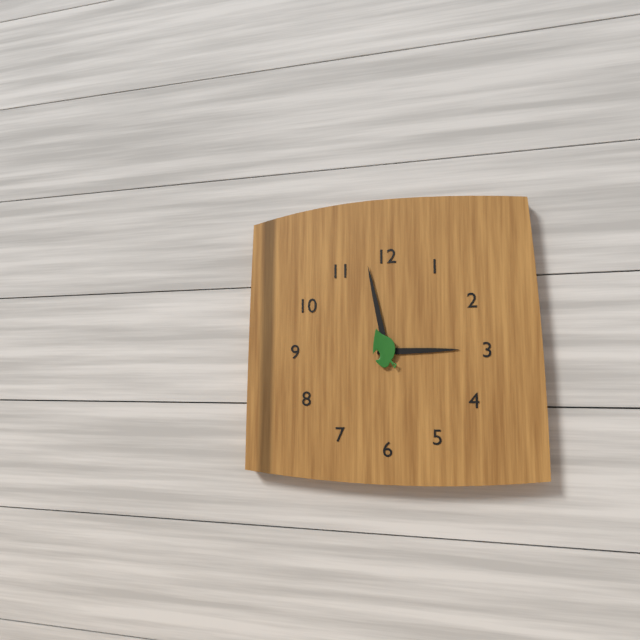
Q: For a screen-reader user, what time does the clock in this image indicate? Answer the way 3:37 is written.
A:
2:58
